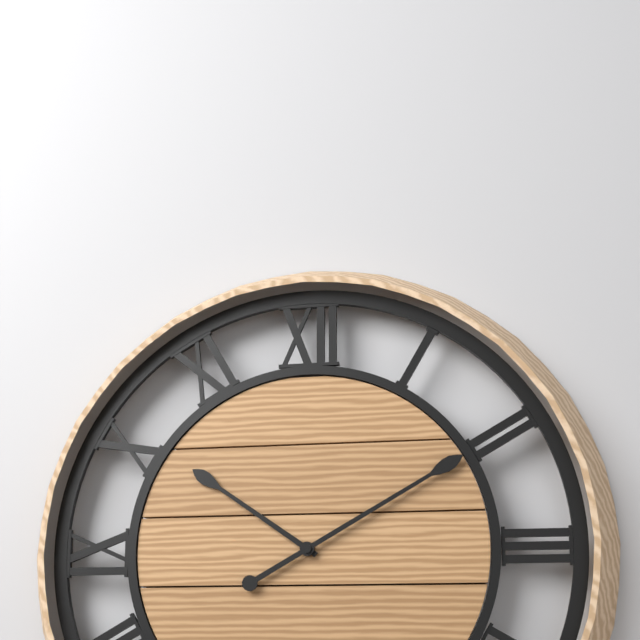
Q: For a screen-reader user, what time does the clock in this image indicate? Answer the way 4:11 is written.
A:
10:10
